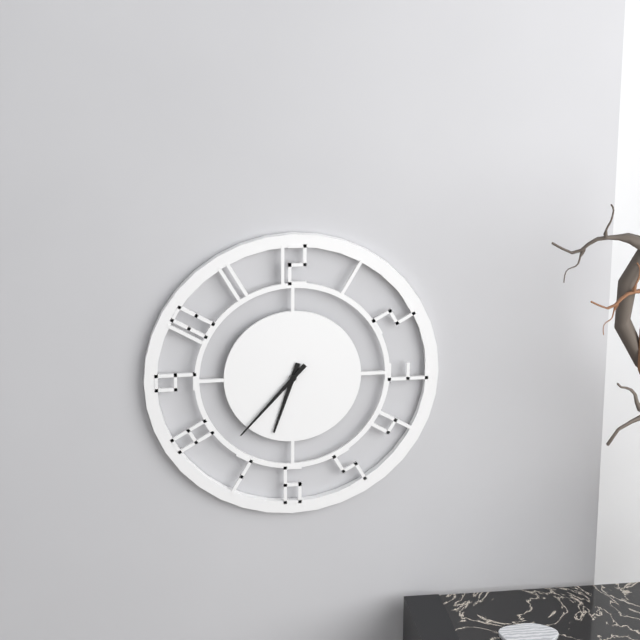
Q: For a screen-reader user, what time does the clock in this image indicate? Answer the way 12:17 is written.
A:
6:37
